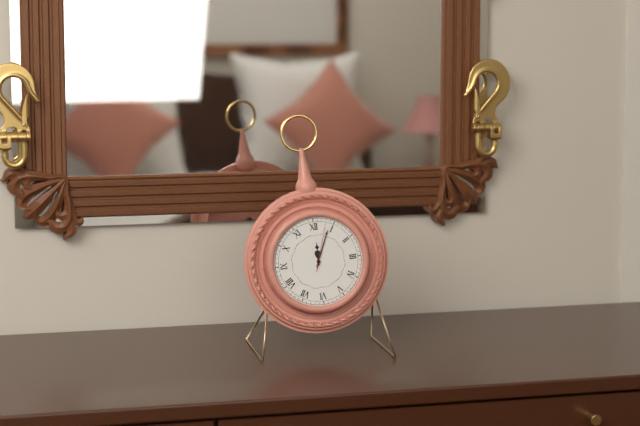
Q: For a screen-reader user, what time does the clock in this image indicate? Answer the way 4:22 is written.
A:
12:04
